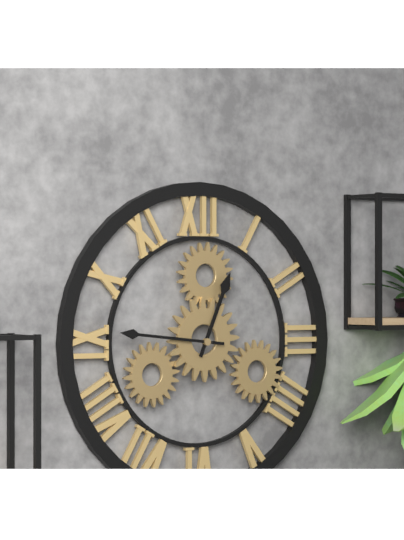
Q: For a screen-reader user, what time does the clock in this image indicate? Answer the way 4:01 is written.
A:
12:46
